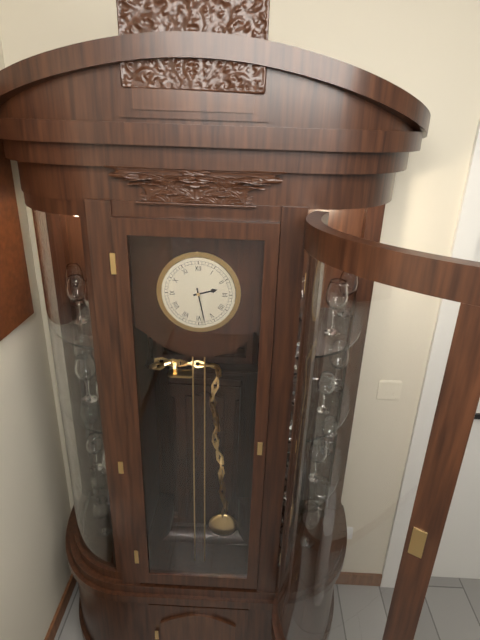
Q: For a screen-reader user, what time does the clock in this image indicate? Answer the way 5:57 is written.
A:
2:28
